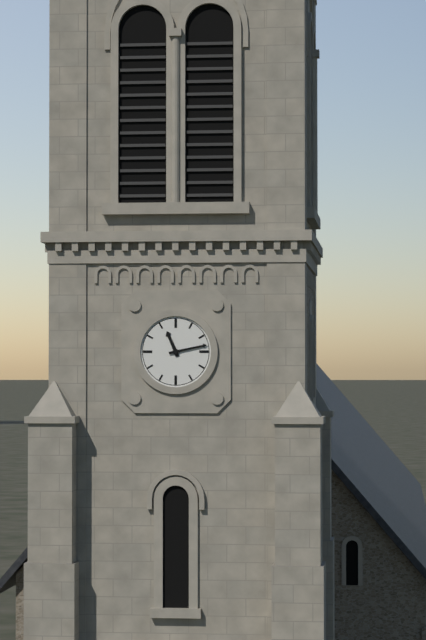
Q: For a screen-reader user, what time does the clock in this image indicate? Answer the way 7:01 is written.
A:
11:13
